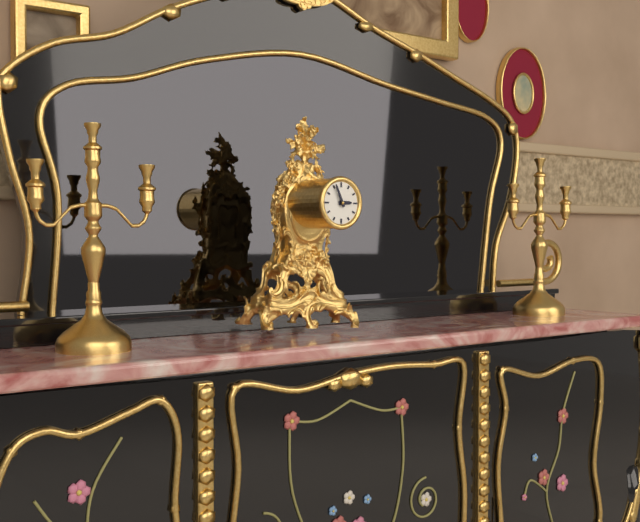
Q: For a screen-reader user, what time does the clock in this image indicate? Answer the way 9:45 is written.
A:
2:56
